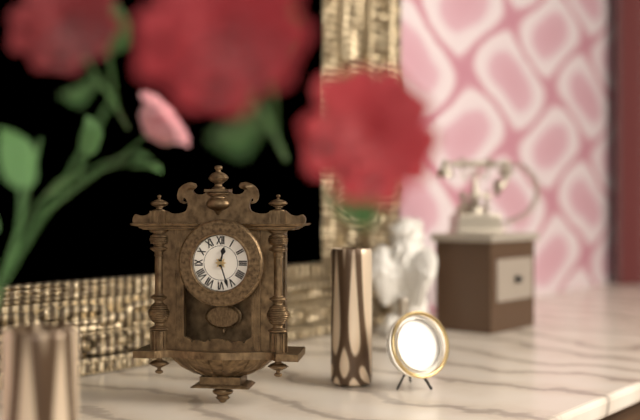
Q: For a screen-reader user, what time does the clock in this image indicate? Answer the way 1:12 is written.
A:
12:27
